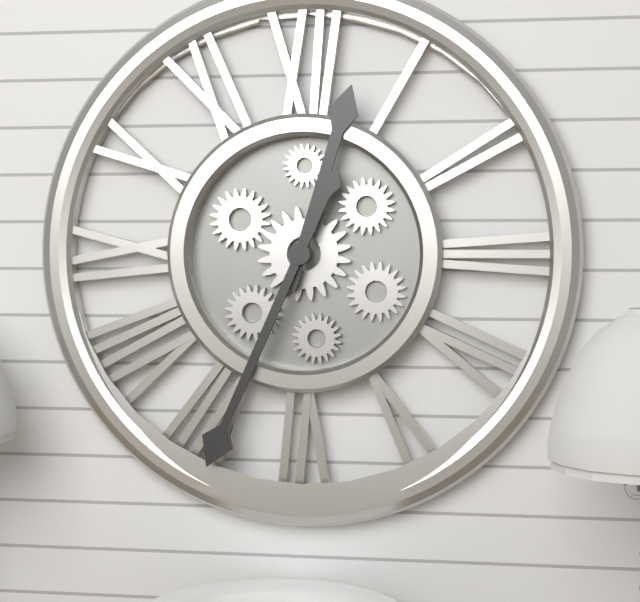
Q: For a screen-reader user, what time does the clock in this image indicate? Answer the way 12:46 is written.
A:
12:34
